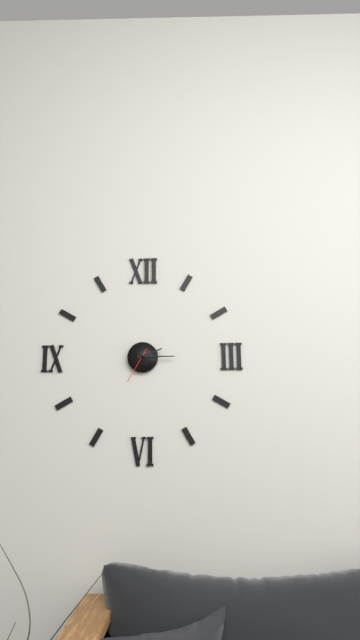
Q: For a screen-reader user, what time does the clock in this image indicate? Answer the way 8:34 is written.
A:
2:15
